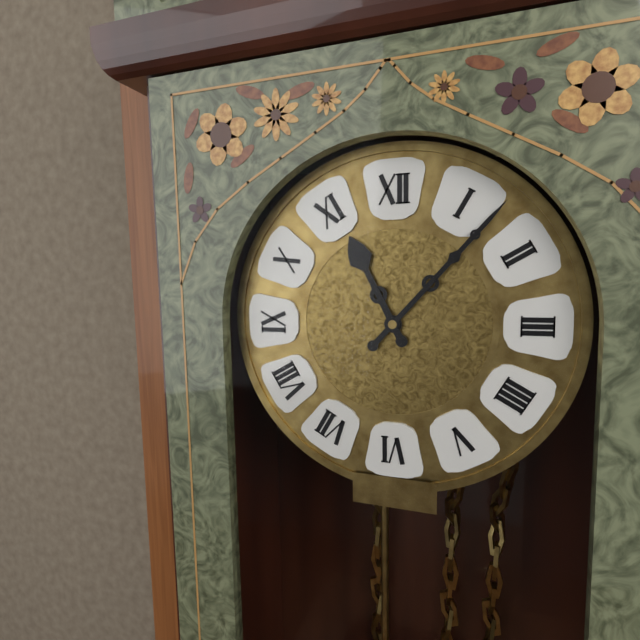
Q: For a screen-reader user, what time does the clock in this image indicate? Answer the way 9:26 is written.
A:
11:07
